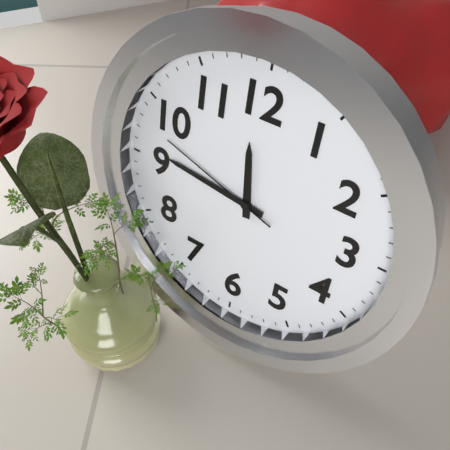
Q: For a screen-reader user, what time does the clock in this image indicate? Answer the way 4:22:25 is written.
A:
11:46:48
